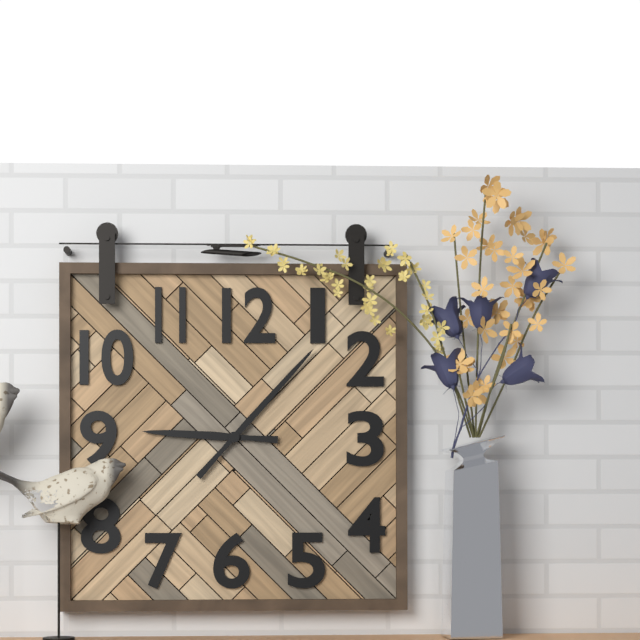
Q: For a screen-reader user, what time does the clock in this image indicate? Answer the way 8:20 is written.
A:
9:07
